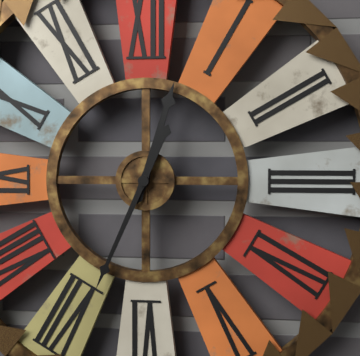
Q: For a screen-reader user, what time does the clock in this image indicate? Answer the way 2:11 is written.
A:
12:34
